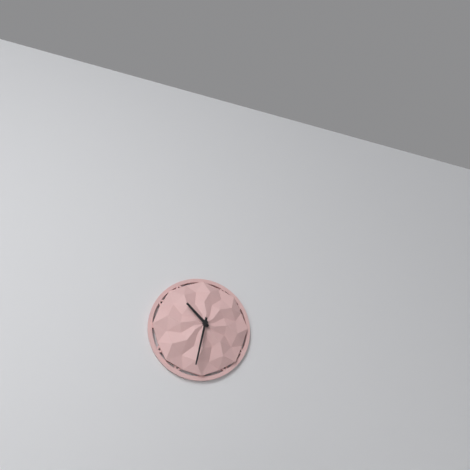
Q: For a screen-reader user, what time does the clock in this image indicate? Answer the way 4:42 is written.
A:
10:32
